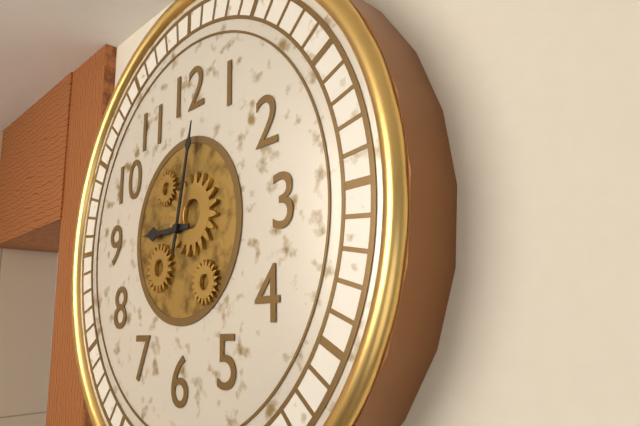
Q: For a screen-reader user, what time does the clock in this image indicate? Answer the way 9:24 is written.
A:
9:02
